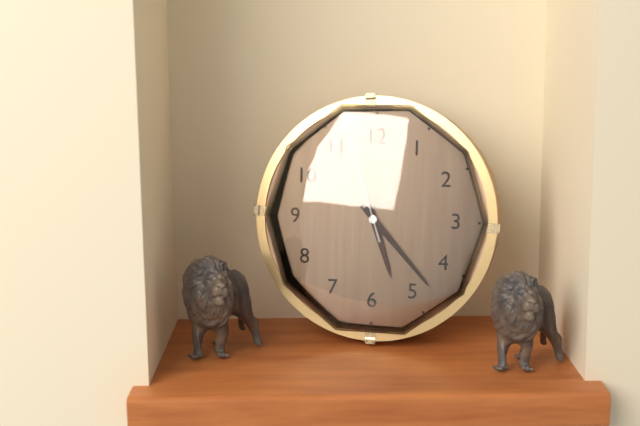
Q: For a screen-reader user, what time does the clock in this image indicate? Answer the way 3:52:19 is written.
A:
5:23:57
